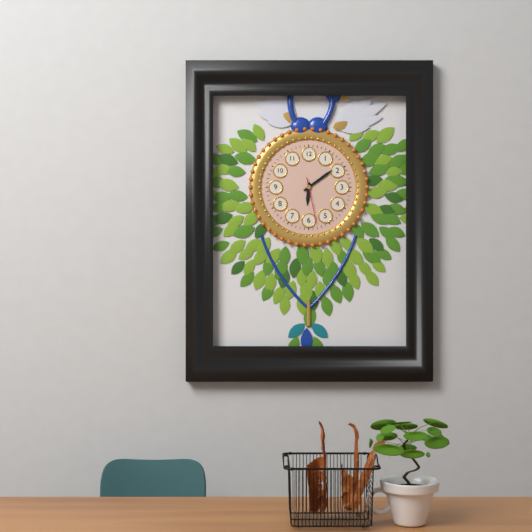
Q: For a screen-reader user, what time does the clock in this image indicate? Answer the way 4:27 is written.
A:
6:09
